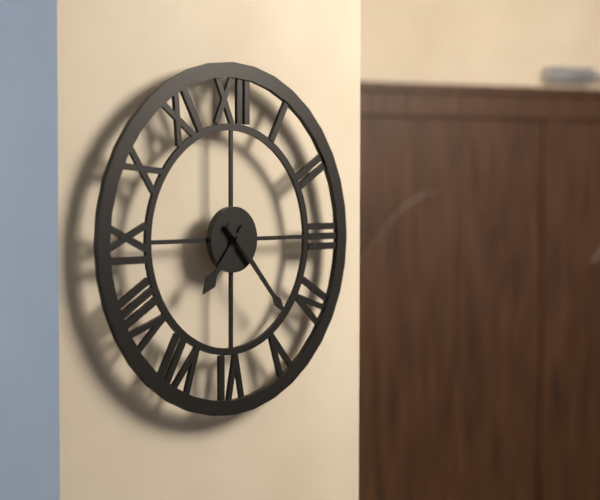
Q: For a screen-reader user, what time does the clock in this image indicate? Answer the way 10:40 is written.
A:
7:23
